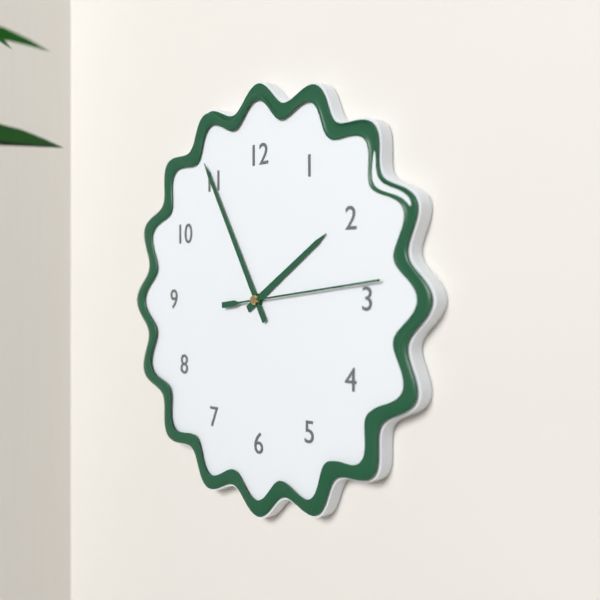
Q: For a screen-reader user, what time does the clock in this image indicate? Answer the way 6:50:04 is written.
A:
1:55:14
